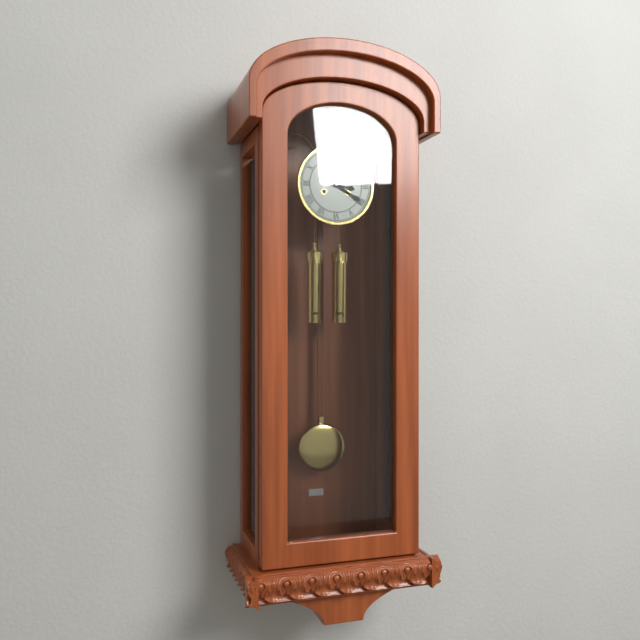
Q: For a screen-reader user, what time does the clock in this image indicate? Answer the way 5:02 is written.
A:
3:20
